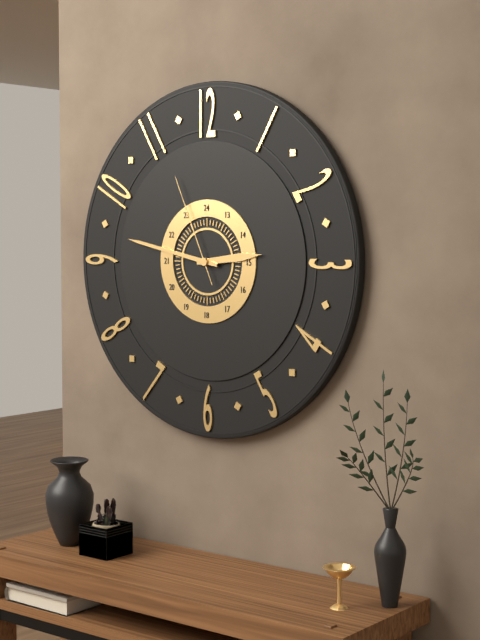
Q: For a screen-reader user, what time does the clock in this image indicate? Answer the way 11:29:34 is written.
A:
2:47:56
